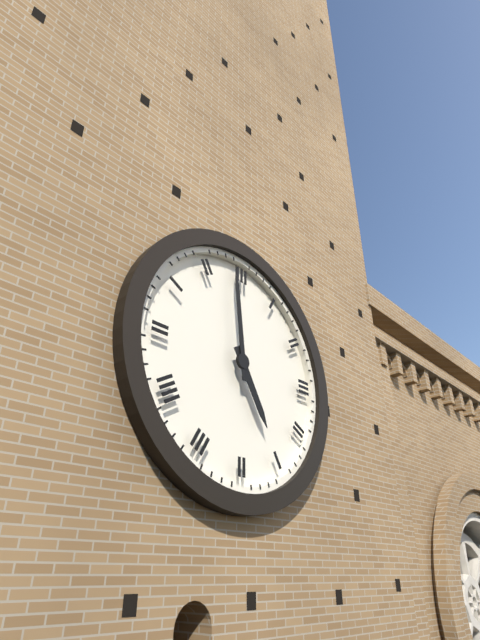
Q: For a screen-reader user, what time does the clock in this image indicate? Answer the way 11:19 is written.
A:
4:59
